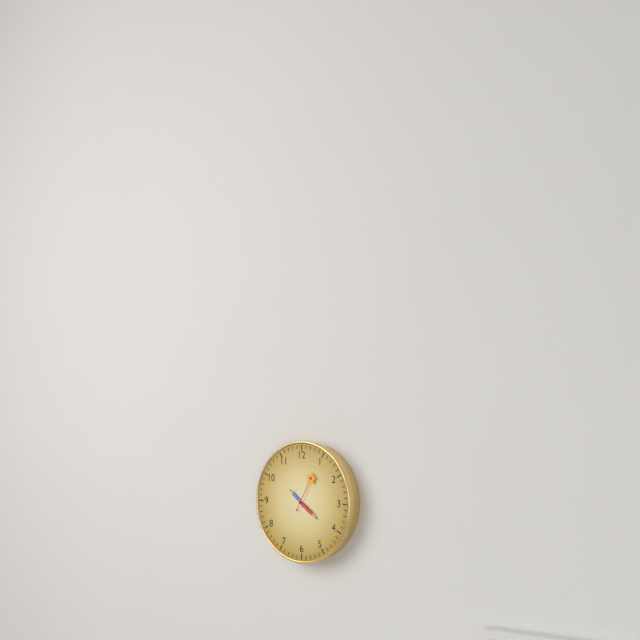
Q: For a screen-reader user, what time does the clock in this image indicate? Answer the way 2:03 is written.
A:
10:21
